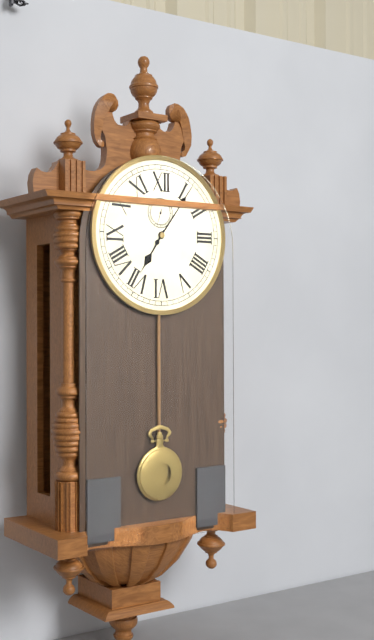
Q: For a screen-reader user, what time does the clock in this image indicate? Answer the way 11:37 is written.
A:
7:06
